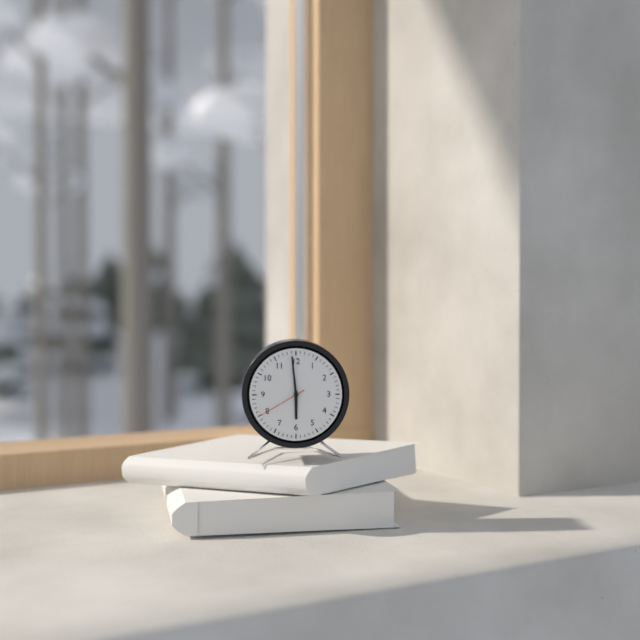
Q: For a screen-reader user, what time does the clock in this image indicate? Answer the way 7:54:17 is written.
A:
5:59:40
